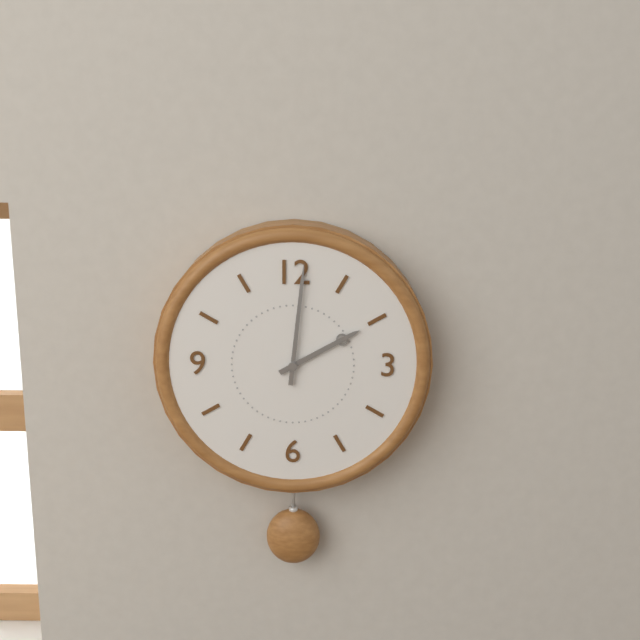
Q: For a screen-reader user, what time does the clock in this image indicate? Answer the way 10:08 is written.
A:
2:01
